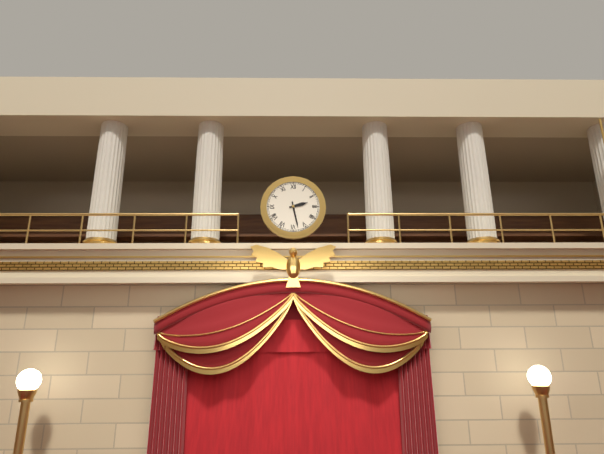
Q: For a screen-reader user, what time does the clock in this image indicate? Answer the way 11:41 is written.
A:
2:28
